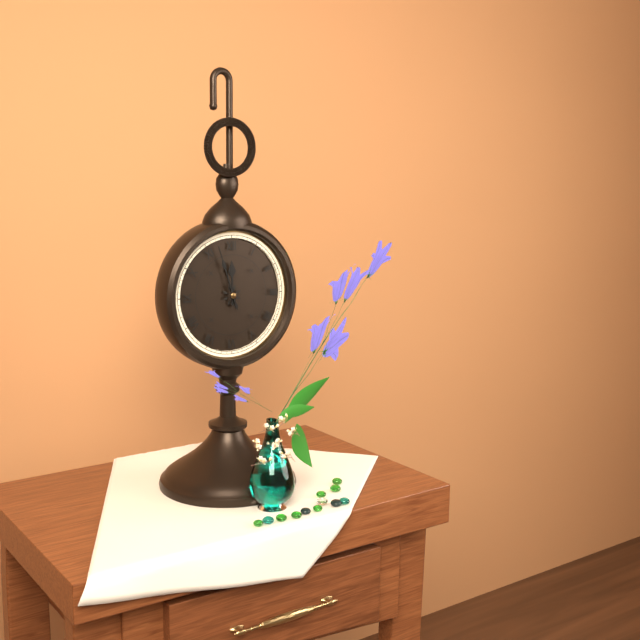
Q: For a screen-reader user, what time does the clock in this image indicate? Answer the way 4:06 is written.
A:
11:57
